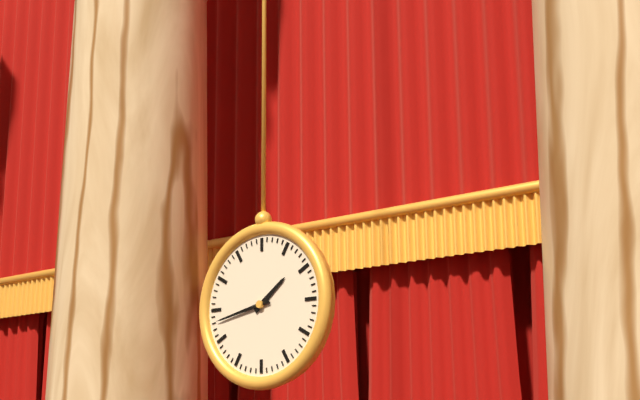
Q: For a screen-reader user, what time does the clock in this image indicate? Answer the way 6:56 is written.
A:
1:43
